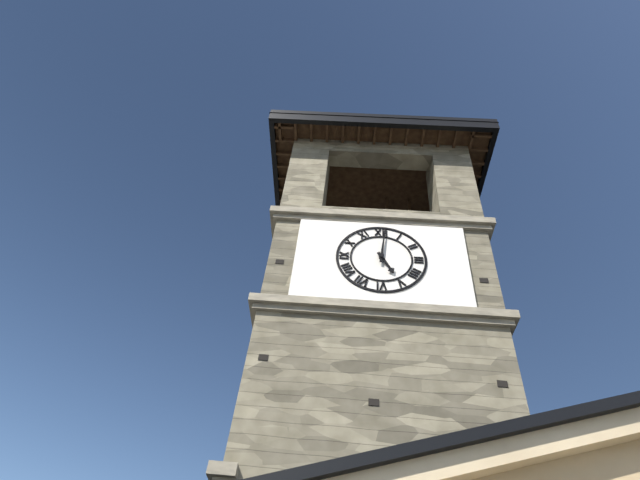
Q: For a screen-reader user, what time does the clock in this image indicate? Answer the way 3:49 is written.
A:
5:01
